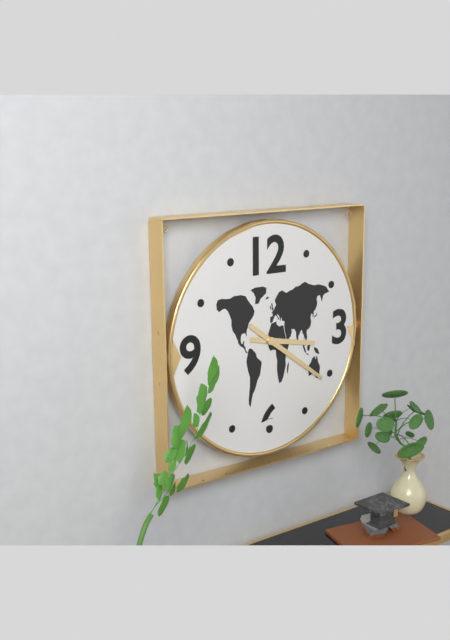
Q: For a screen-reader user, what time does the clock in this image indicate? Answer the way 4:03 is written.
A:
3:21
